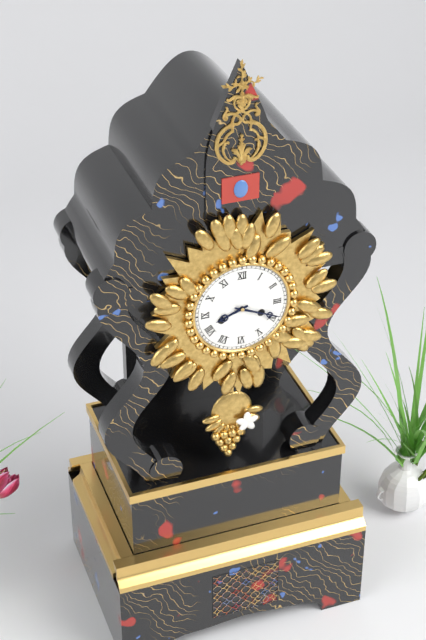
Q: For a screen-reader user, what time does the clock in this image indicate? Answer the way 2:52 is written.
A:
8:19
